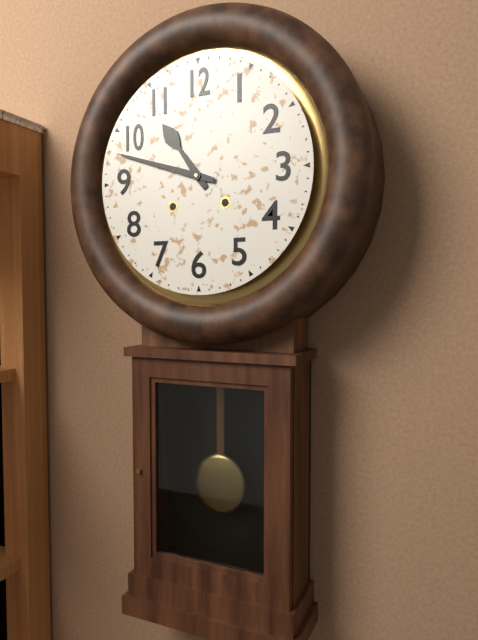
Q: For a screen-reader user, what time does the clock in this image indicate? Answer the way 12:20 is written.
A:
10:48
